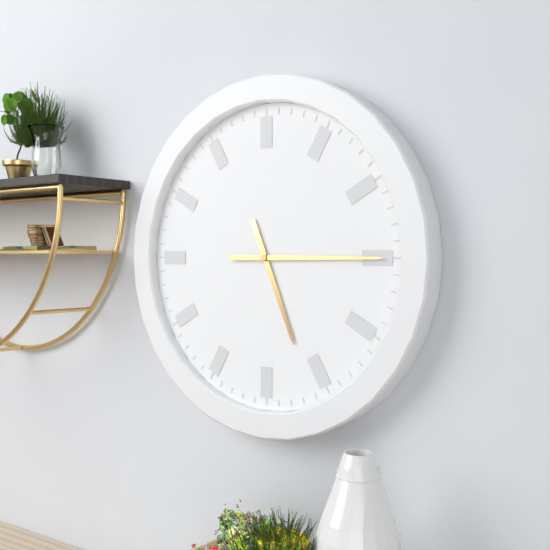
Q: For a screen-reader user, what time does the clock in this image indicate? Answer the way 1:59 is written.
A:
5:15
